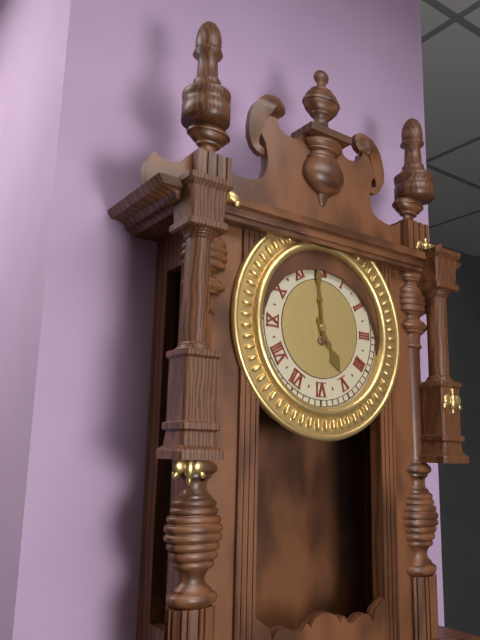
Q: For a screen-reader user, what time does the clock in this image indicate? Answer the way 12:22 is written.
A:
4:59
